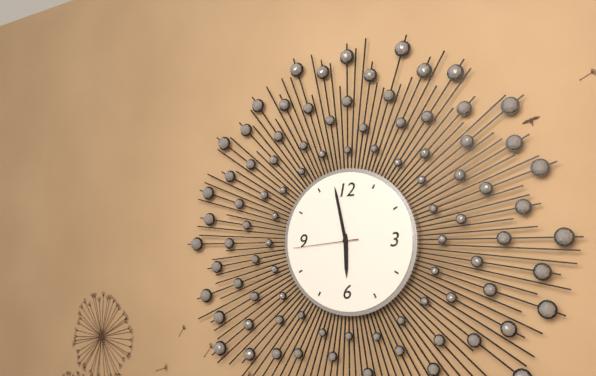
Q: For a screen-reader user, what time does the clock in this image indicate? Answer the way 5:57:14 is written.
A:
5:58:44
